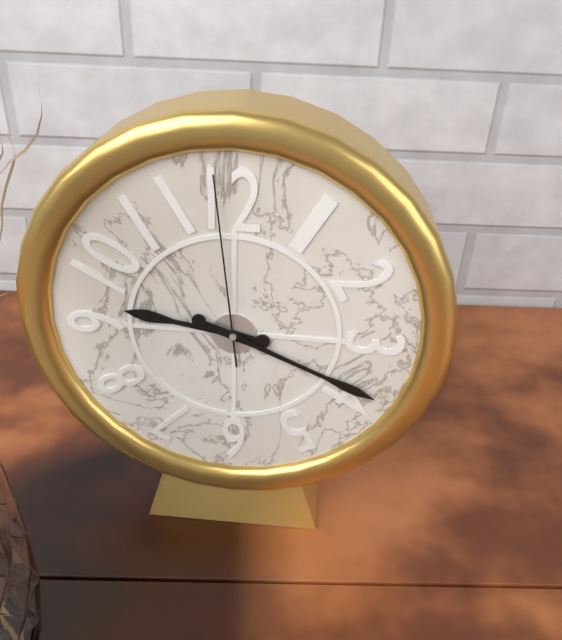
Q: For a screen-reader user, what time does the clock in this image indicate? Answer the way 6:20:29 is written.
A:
9:19:59
